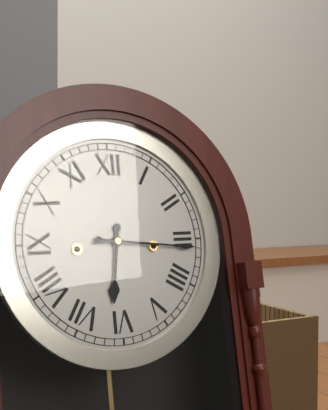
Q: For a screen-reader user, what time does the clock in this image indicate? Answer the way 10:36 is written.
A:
6:16
